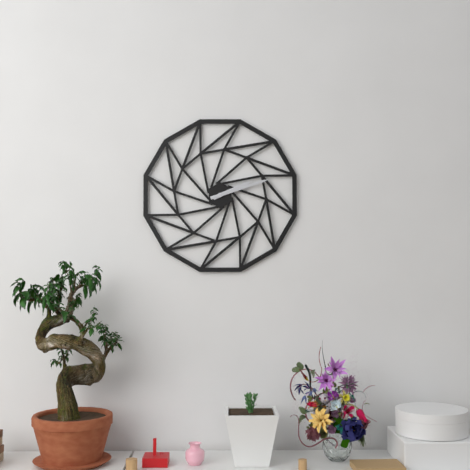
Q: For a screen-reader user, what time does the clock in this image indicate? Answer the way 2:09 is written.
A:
2:12
